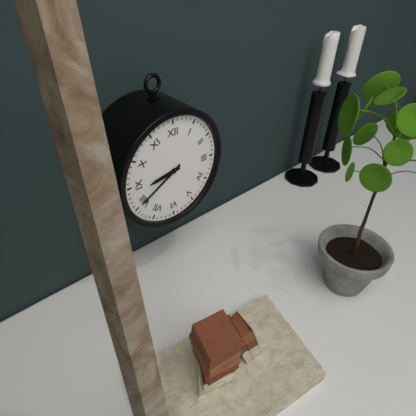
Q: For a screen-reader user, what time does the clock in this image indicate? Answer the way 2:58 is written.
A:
8:40
